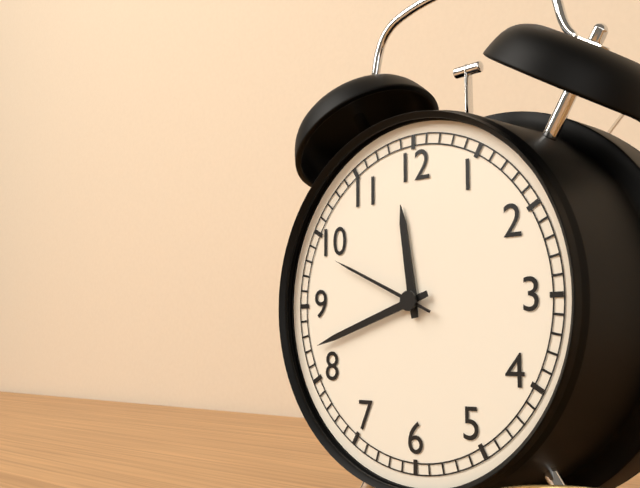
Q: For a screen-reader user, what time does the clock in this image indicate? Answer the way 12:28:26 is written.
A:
11:42:49
